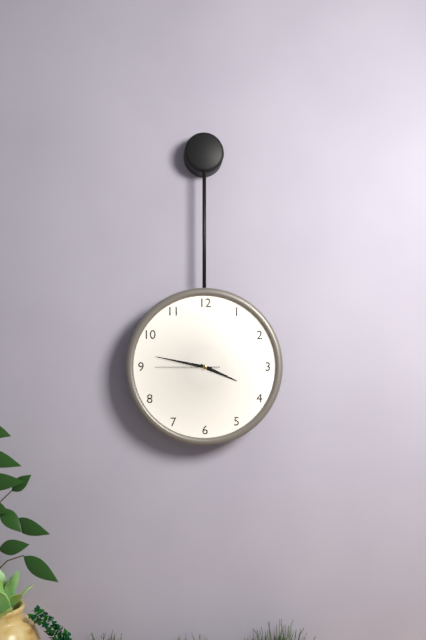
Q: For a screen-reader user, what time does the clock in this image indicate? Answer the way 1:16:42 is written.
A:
3:47:45
